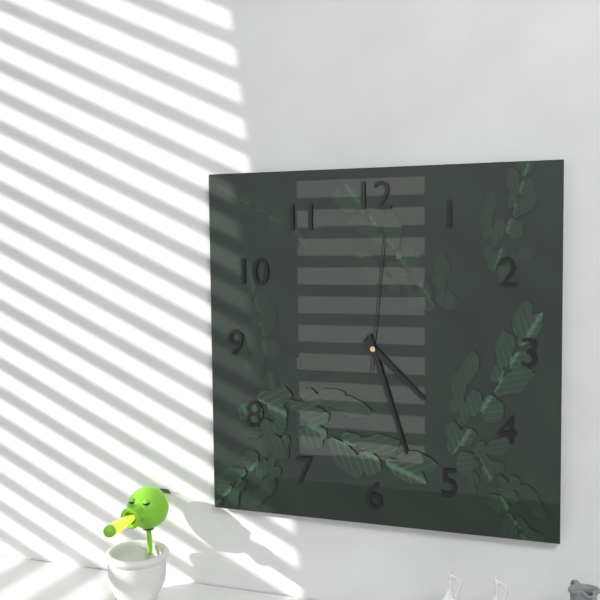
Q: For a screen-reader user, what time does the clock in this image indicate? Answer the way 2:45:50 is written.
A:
4:27:01
